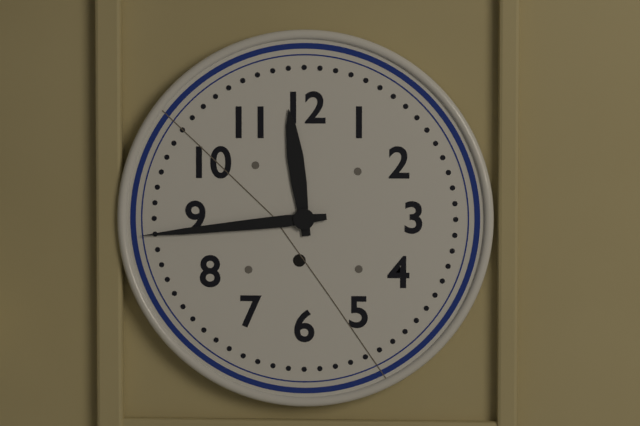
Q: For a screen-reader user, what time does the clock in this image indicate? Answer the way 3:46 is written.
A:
11:44
